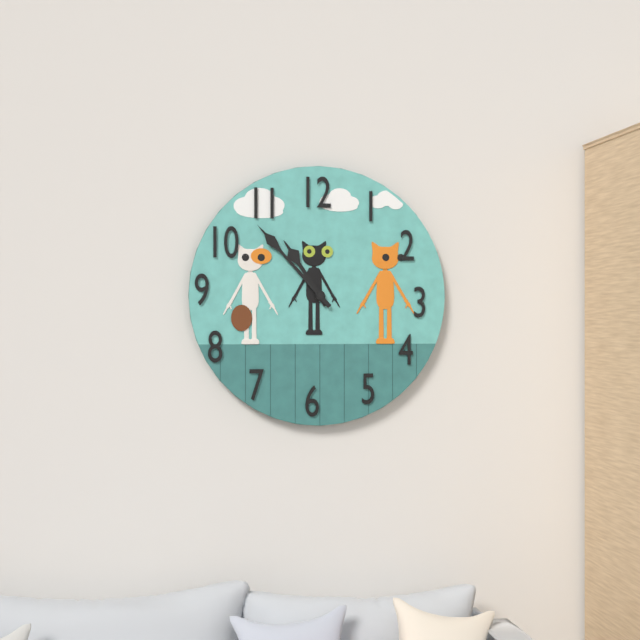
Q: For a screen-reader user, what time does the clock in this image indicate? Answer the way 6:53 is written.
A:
10:53
